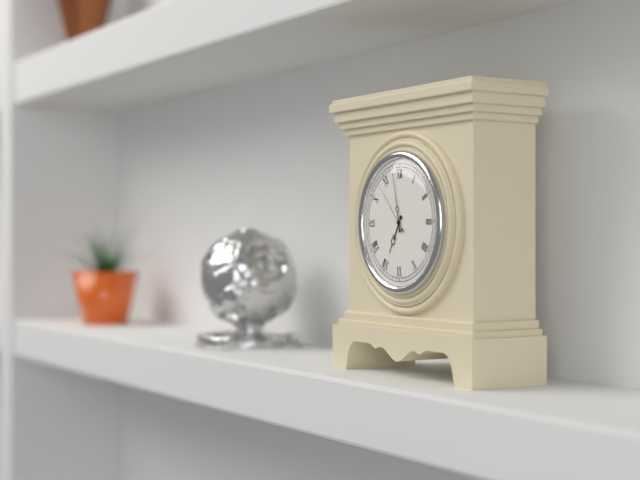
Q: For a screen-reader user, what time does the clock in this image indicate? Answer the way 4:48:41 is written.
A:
6:58:53
